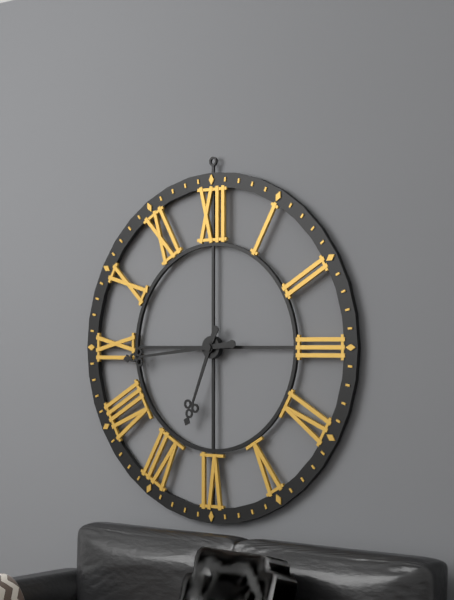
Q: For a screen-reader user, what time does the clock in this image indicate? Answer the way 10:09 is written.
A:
6:44
